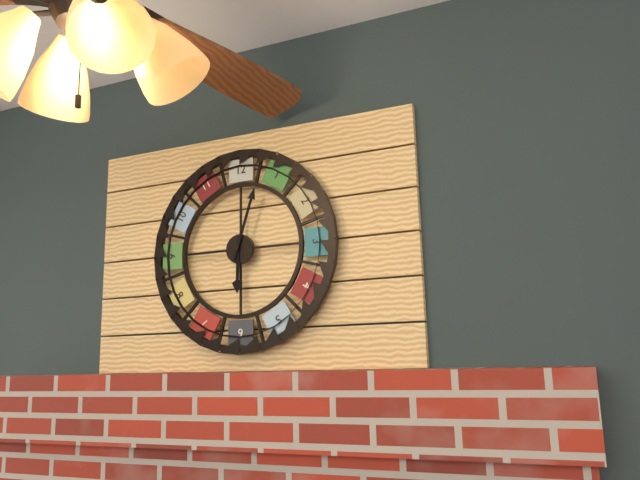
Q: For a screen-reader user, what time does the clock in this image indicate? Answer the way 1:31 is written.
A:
6:03
